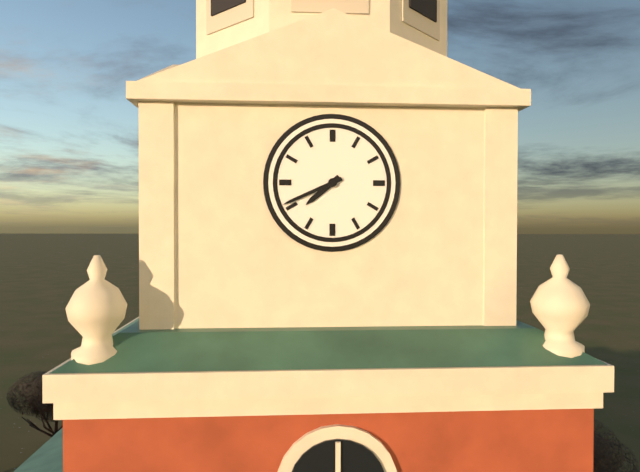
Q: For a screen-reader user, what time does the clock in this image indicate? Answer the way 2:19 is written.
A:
7:41
